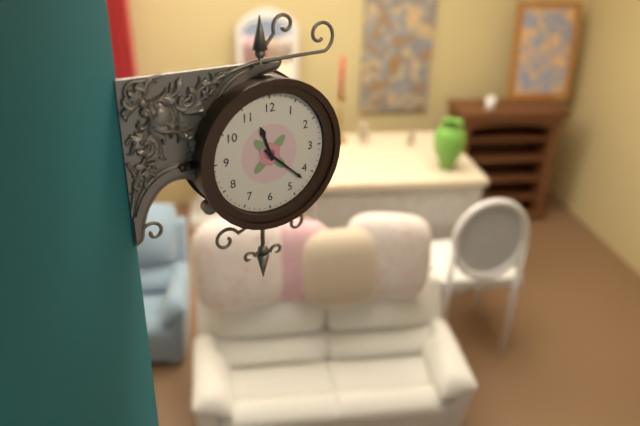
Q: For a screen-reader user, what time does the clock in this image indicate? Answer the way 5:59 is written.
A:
11:22
